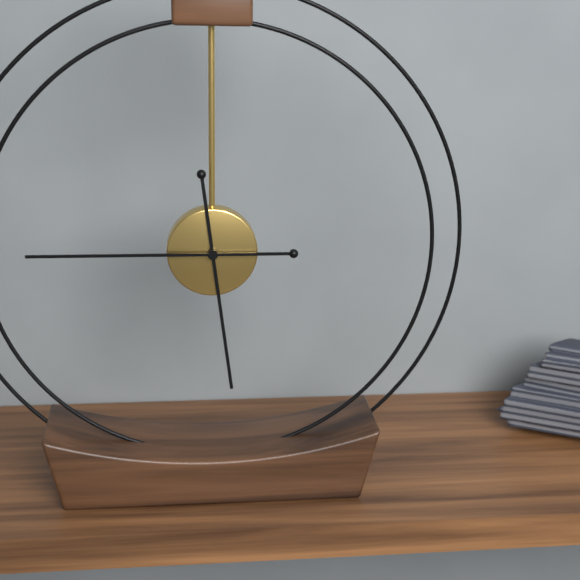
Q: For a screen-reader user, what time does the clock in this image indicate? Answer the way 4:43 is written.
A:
5:45
